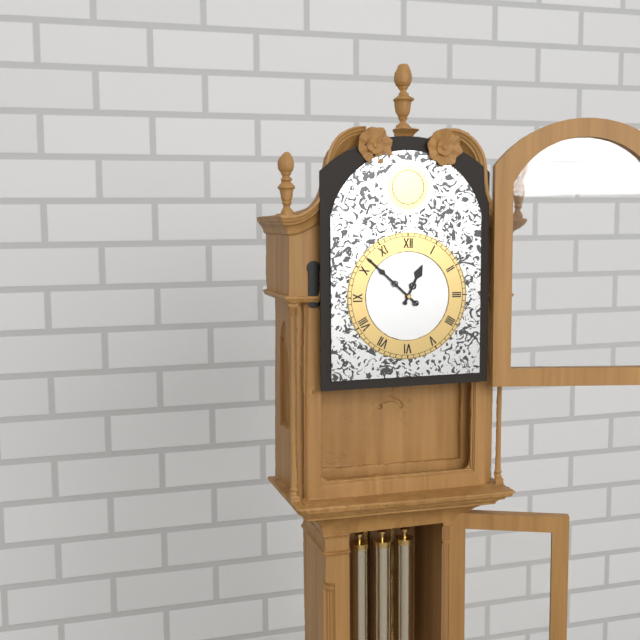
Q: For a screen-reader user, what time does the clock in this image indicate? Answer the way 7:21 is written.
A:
12:52
